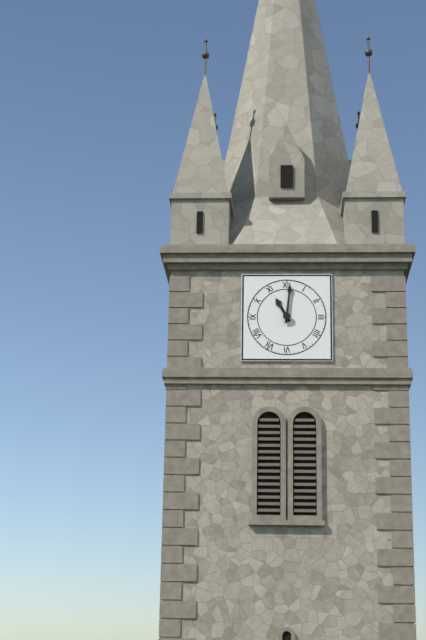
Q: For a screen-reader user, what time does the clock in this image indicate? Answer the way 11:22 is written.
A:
11:01
